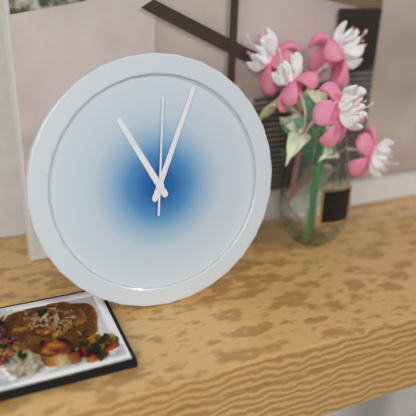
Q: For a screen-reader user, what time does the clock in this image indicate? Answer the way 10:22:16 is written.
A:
11:04:01
